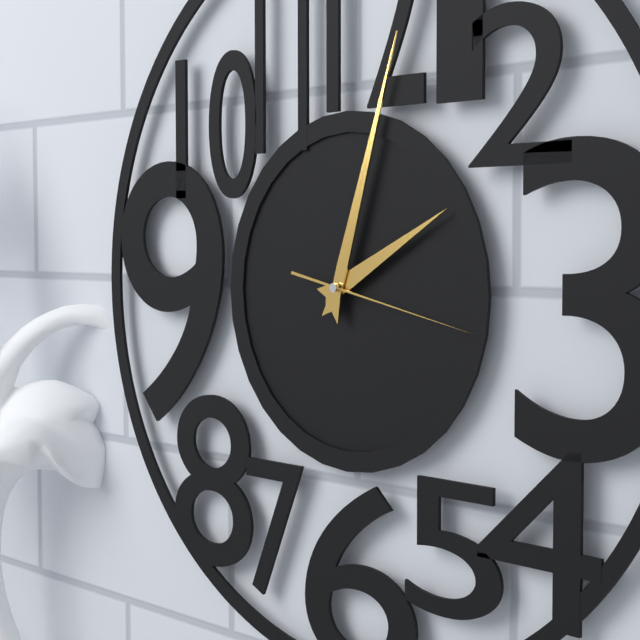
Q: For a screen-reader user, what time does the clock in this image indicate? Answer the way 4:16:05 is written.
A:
2:03:17
